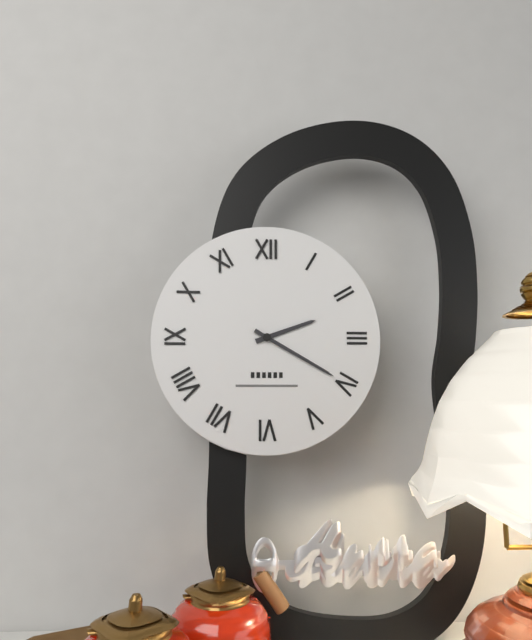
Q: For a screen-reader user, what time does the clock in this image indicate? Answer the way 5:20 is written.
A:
2:20
